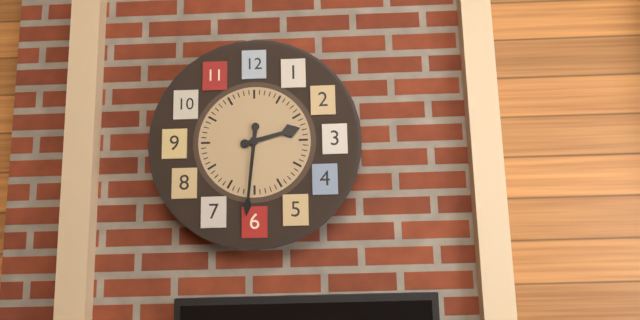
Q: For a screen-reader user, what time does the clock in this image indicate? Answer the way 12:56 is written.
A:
2:31
